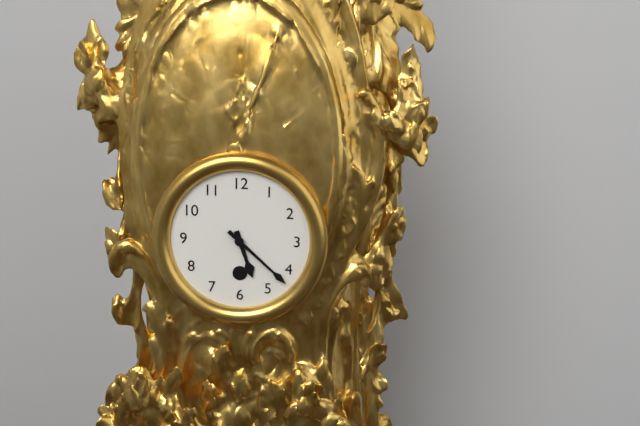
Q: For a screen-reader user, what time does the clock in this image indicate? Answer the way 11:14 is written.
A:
5:22
